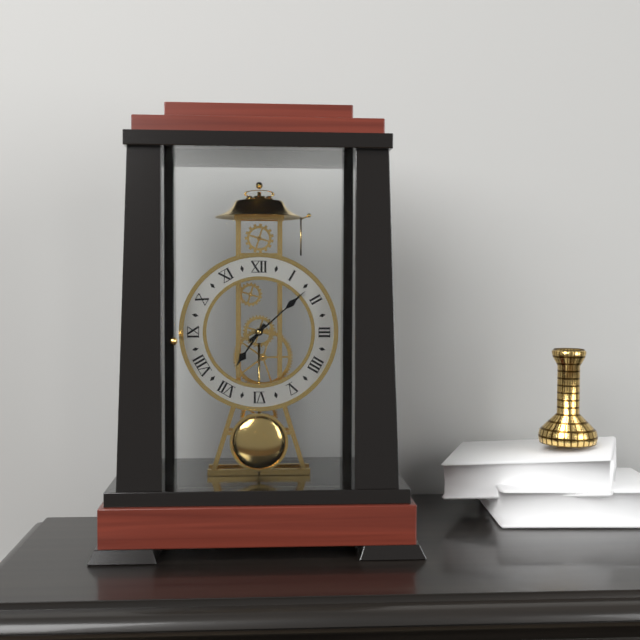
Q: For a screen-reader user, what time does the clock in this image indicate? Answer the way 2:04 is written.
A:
7:08
